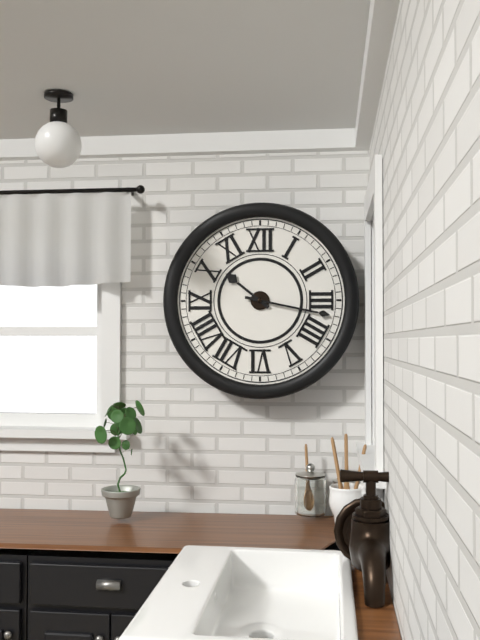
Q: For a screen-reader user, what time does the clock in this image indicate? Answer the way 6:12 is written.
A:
10:17
